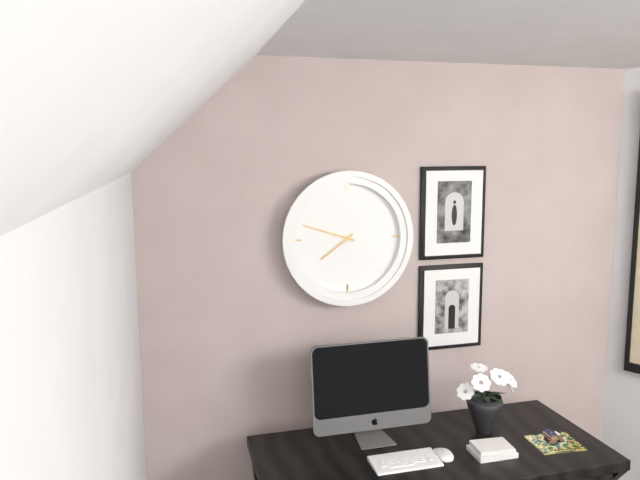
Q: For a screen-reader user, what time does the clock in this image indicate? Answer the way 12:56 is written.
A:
7:48
